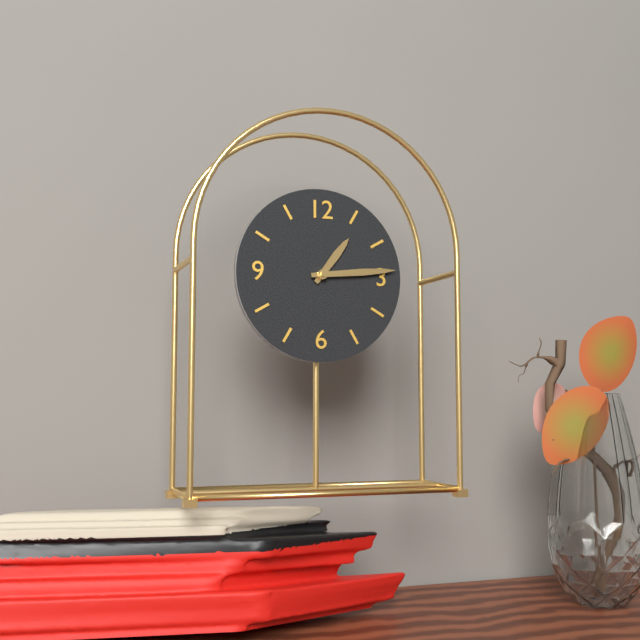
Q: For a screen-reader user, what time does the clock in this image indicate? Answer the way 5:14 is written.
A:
1:14
